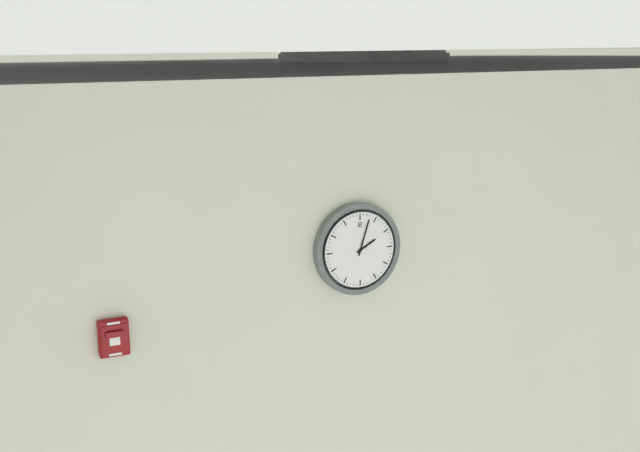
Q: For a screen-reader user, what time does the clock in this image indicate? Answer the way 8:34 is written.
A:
2:03
